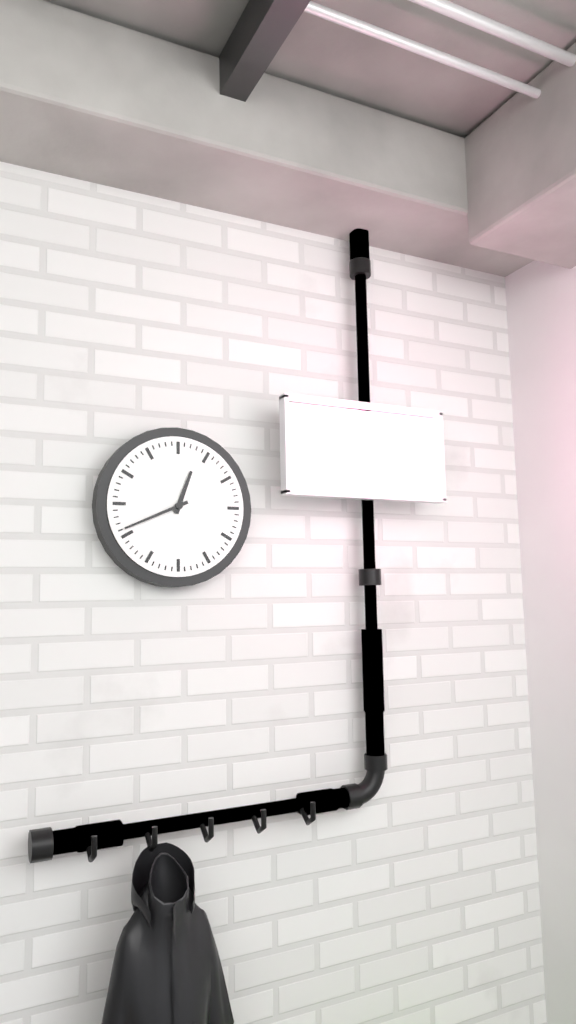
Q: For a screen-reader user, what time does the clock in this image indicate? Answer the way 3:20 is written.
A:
12:41
